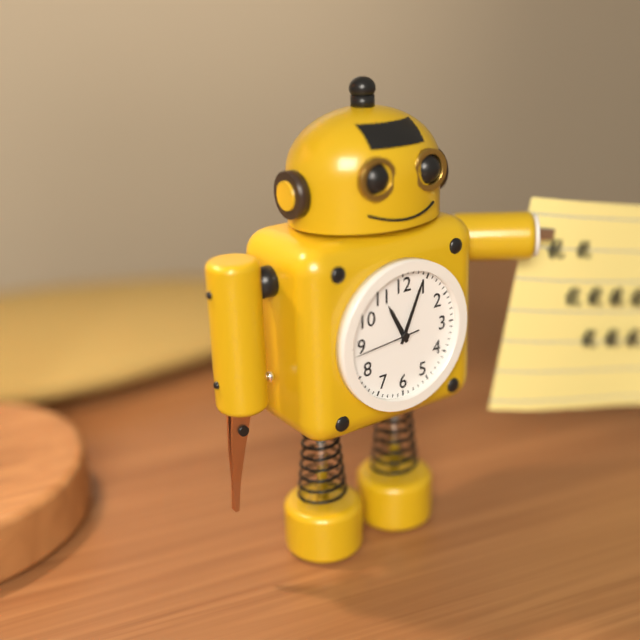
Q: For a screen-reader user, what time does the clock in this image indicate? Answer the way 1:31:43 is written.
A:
11:04:44
